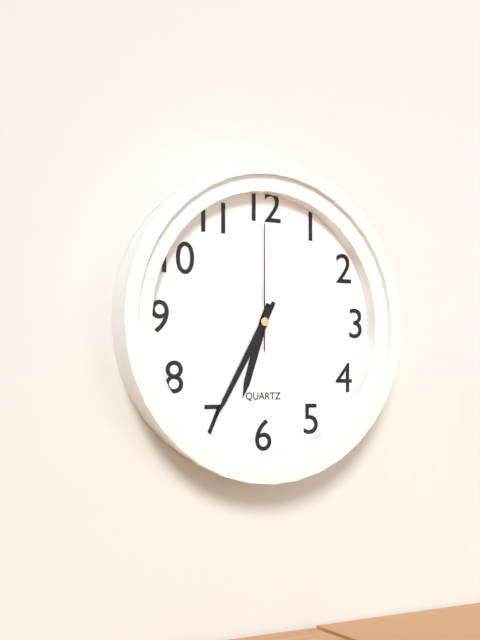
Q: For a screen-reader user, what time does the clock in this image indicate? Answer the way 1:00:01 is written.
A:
6:35:00
